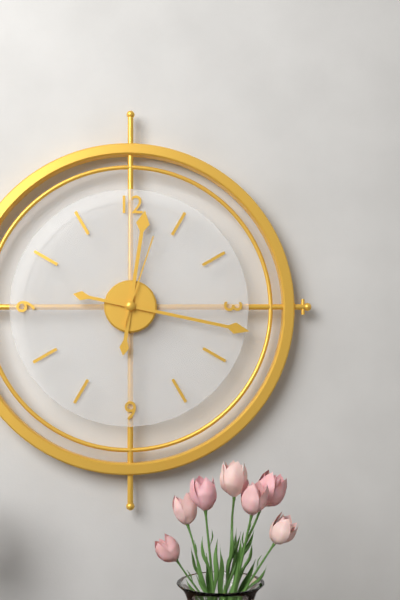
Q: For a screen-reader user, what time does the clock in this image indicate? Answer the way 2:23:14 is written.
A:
12:17:03
